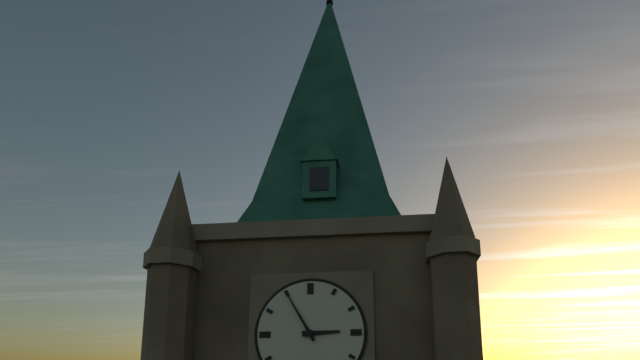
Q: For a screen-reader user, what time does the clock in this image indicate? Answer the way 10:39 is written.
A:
2:55
